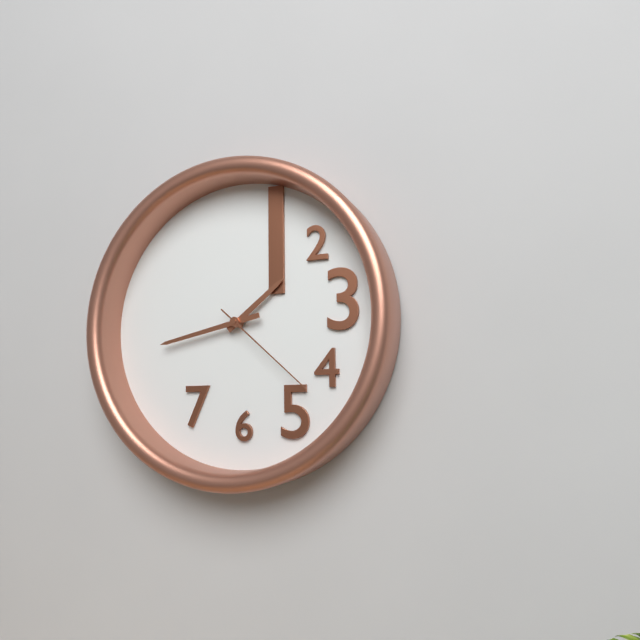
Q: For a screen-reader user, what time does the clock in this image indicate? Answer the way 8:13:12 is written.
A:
1:43:22
